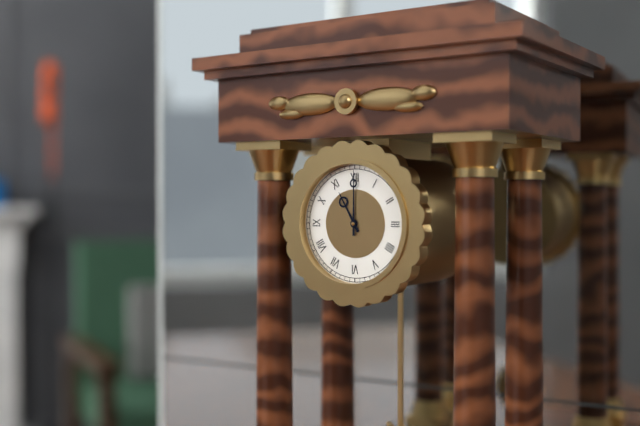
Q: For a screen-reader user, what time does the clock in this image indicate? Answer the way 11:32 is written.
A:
11:00
